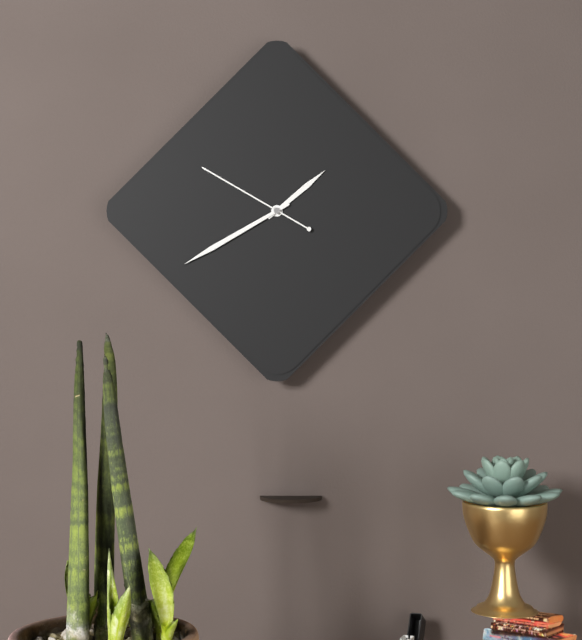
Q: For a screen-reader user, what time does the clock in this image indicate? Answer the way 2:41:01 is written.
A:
1:40:50
